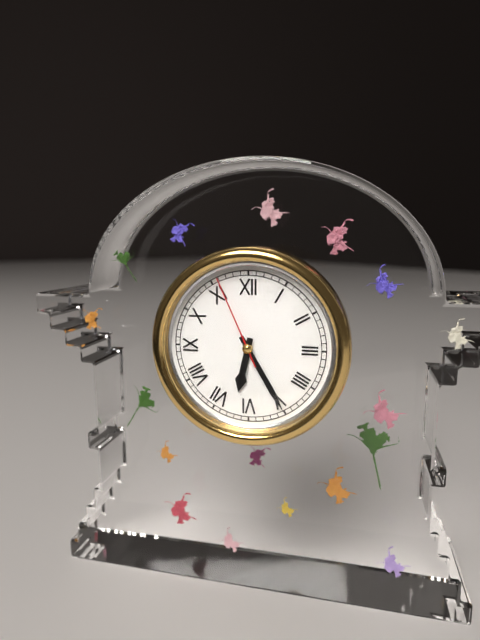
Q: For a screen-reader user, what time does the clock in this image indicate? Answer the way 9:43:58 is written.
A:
6:25:56
